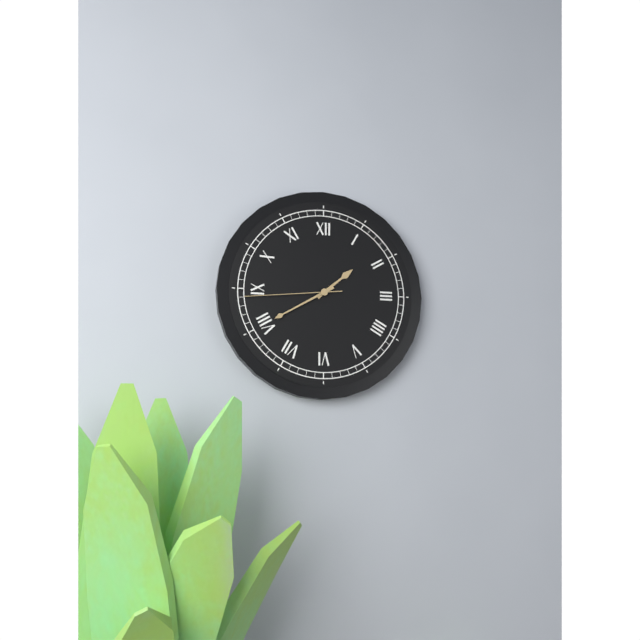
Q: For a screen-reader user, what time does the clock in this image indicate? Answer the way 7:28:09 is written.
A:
1:40:44
